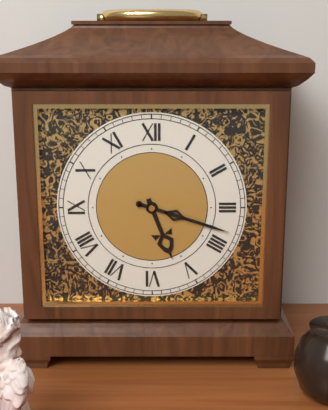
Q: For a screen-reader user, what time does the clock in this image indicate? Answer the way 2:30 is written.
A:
5:18
